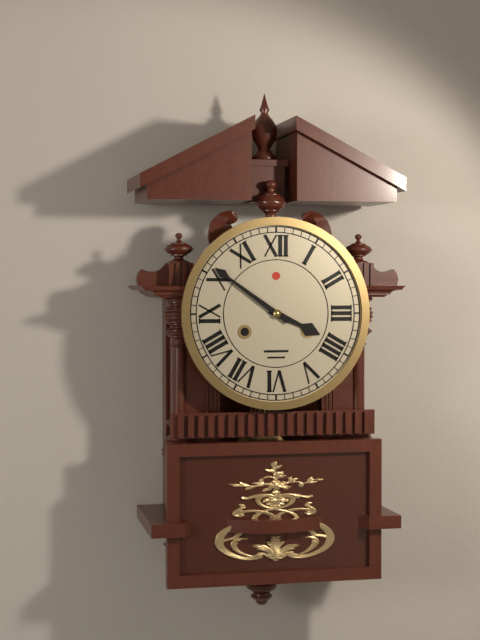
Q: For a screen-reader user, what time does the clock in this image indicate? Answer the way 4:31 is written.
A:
3:51
